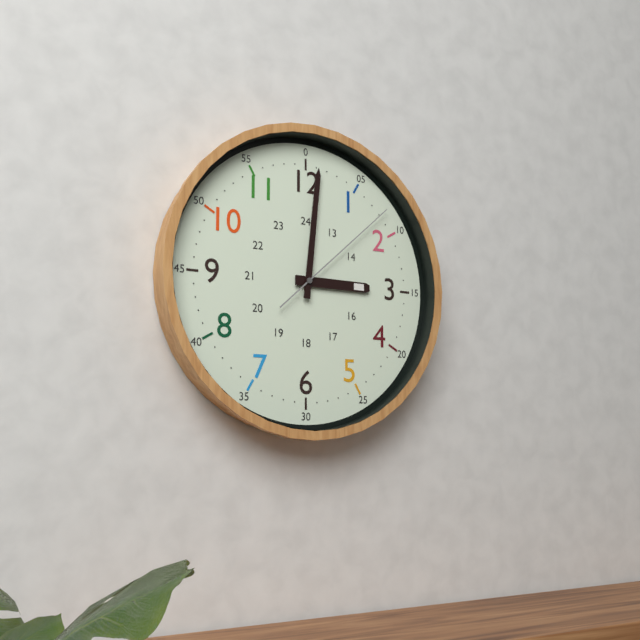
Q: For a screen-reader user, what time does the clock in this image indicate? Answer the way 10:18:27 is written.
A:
3:01:08
